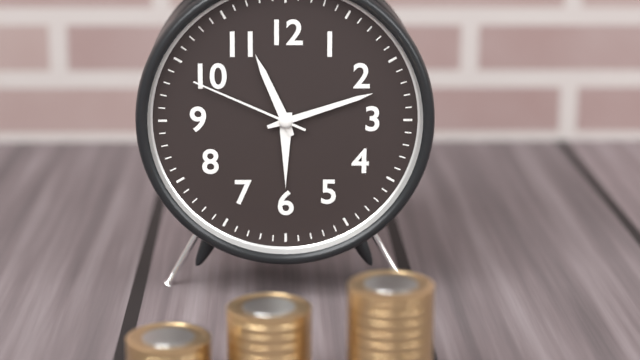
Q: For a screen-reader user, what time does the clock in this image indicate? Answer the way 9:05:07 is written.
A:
11:12:49
